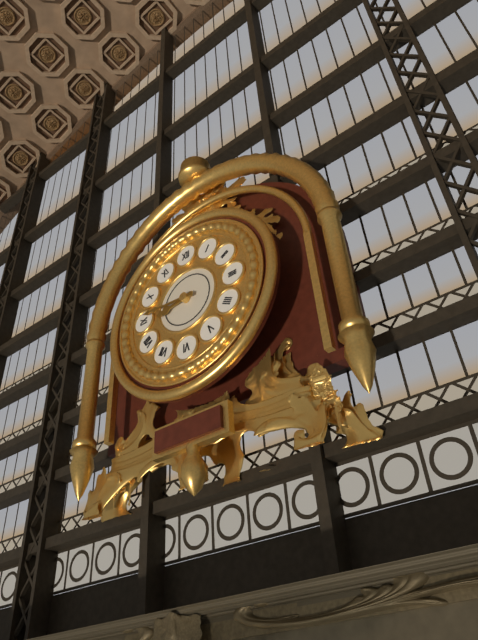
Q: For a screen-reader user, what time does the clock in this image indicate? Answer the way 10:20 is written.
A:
8:46
